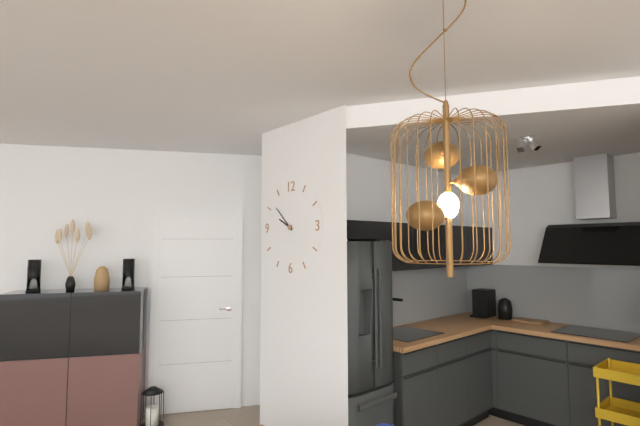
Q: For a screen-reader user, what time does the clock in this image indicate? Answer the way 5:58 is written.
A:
9:52
